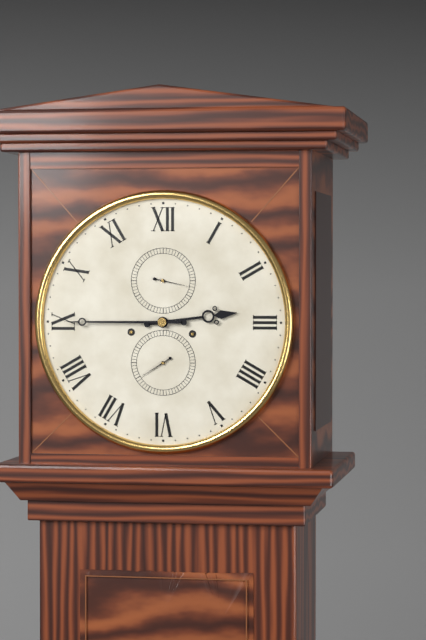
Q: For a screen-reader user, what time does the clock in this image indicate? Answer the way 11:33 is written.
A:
2:45
